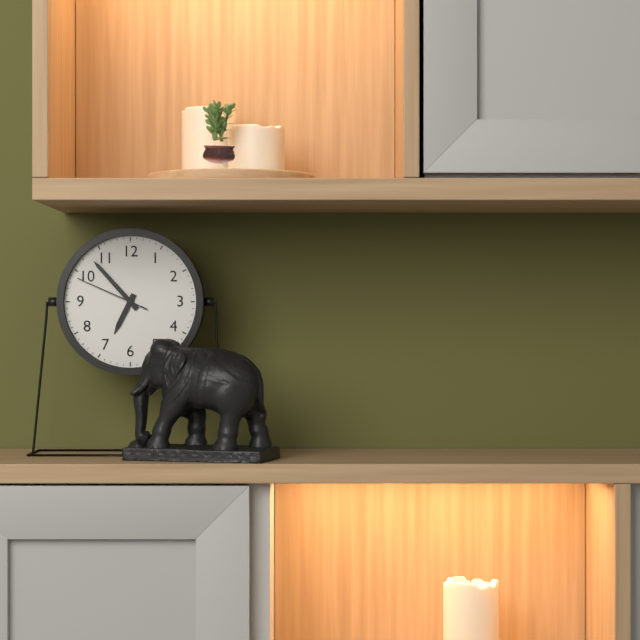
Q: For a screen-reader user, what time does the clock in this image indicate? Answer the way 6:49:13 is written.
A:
6:53:49
